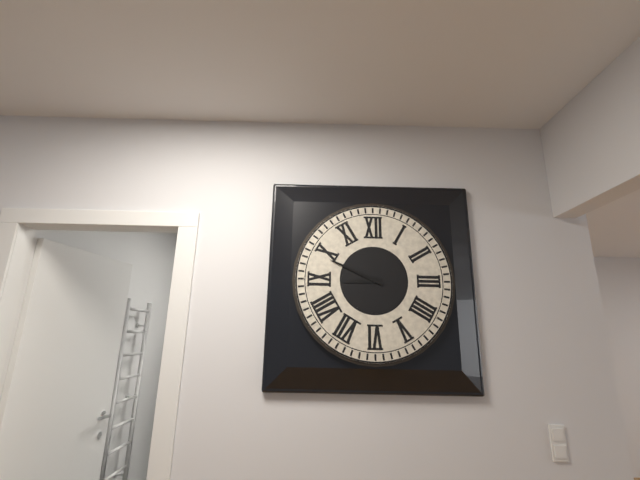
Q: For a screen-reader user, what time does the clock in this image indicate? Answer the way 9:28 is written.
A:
8:49
